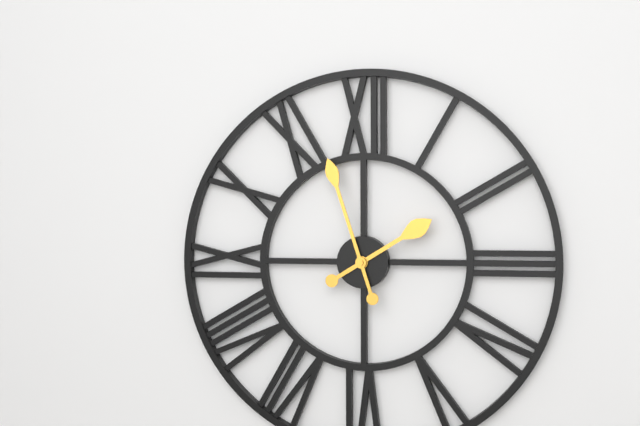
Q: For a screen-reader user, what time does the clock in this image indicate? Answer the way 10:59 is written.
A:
1:57
